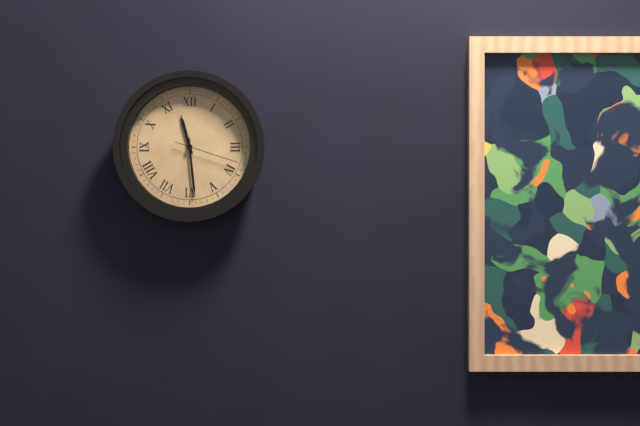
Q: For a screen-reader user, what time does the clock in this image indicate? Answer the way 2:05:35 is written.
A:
11:29:18
